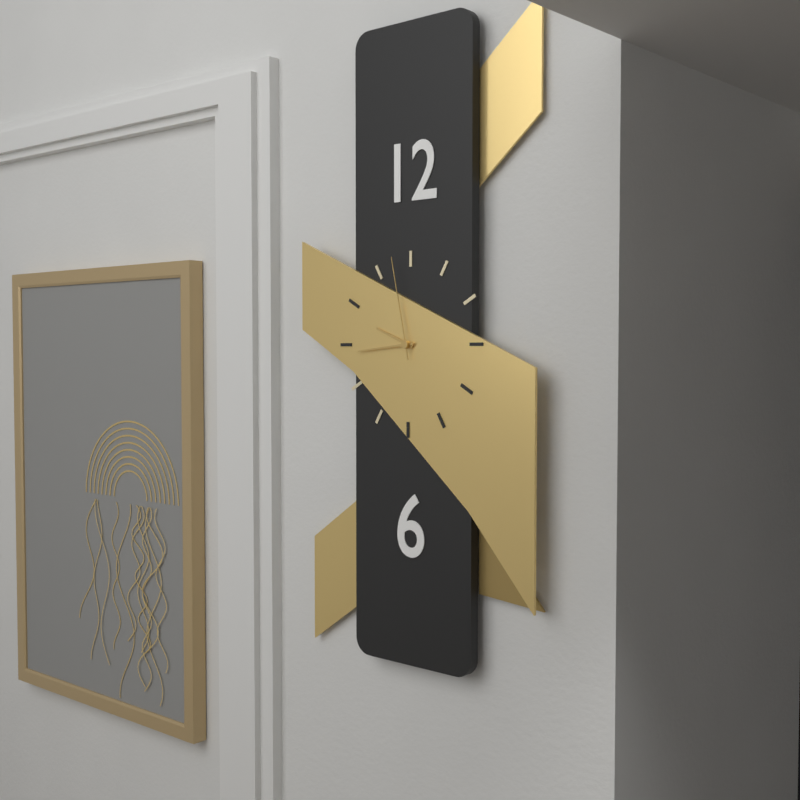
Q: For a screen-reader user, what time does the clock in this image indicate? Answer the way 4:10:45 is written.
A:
9:44:58
